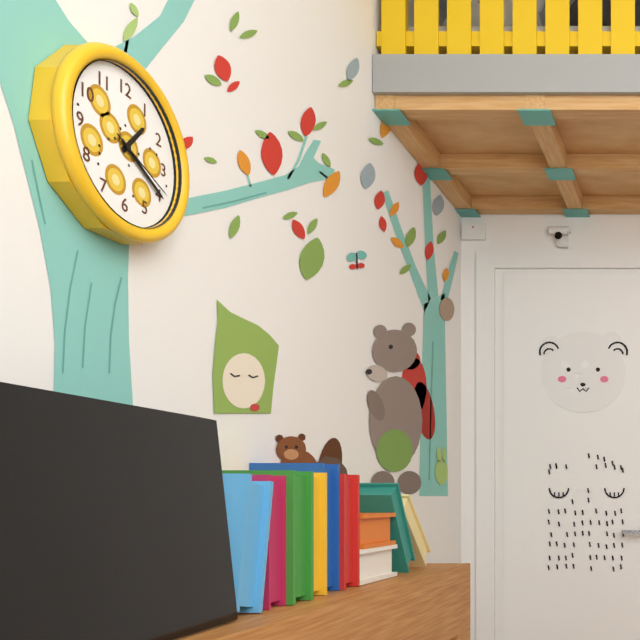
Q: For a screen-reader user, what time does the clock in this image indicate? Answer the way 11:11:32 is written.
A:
1:20:19
